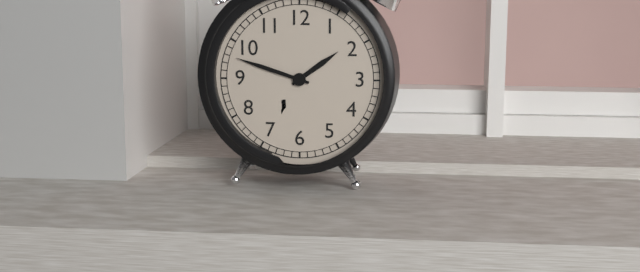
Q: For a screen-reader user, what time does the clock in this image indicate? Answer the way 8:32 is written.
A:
1:48
